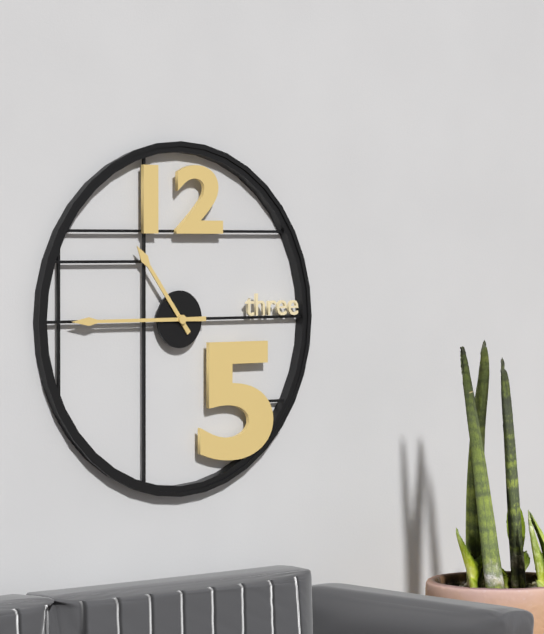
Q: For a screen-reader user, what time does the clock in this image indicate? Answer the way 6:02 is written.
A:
10:45
